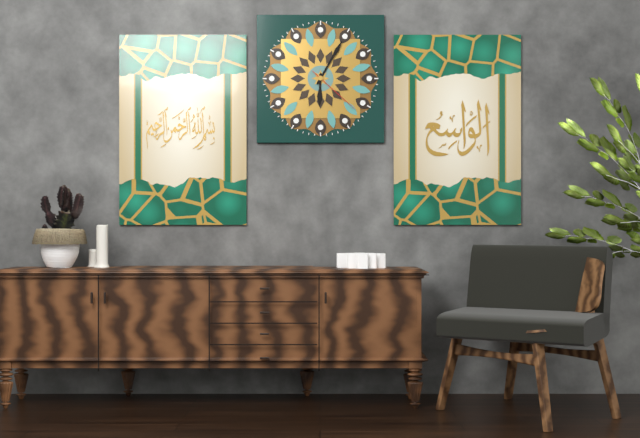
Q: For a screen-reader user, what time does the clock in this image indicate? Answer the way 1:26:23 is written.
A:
6:05:22
